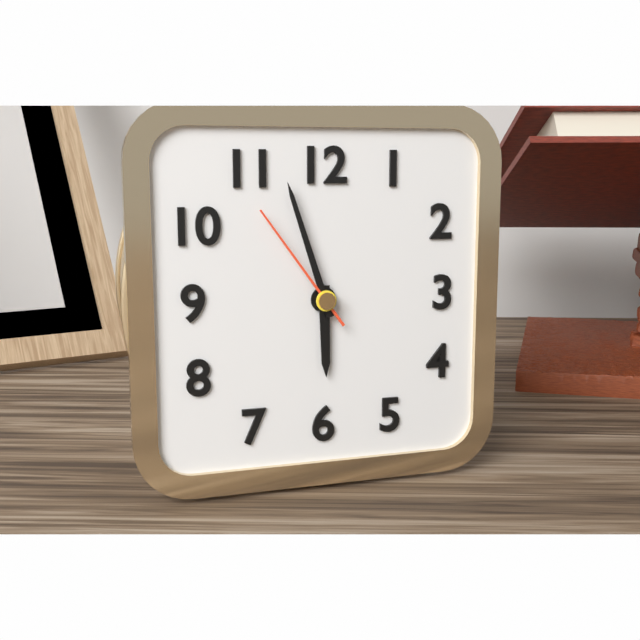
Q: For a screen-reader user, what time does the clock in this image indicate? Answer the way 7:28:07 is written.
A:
5:57:54
